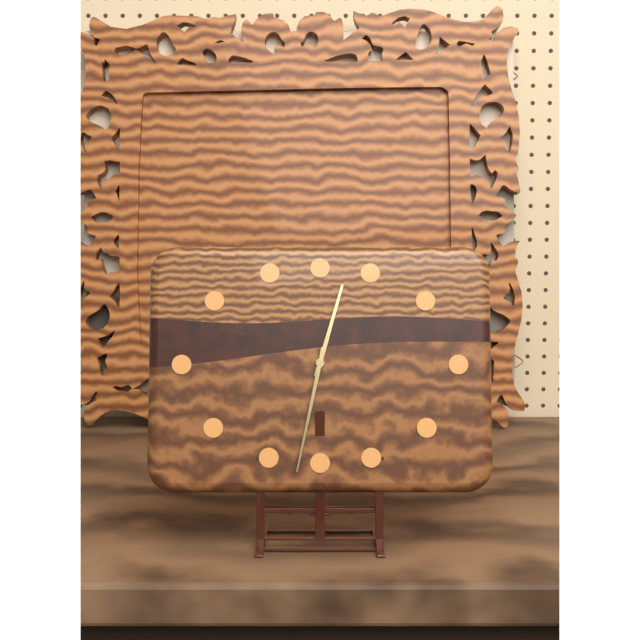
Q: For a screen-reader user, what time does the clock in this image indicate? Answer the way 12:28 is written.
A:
12:32
